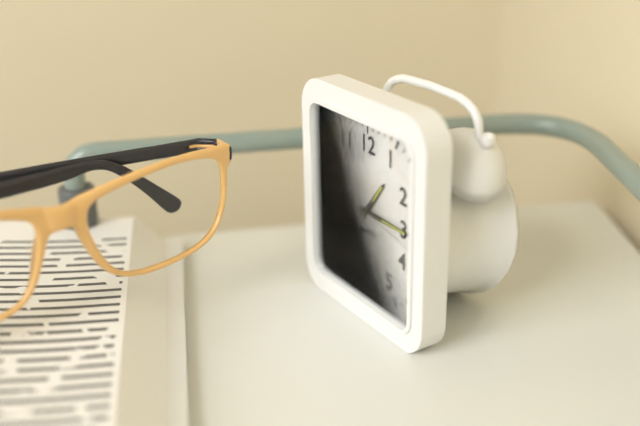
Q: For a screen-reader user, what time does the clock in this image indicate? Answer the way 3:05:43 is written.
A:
1:15:17
